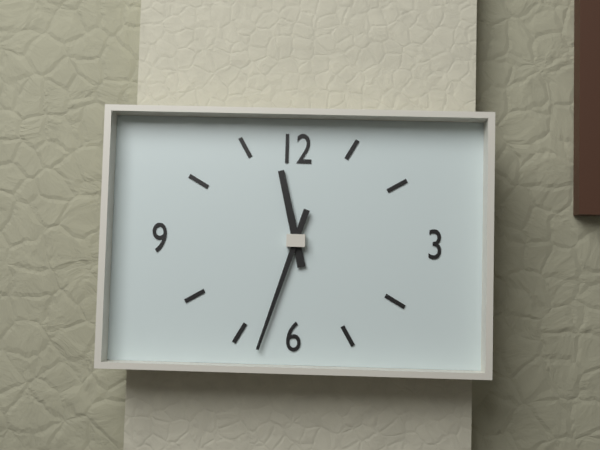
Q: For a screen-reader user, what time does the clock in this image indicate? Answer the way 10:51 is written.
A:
11:33
